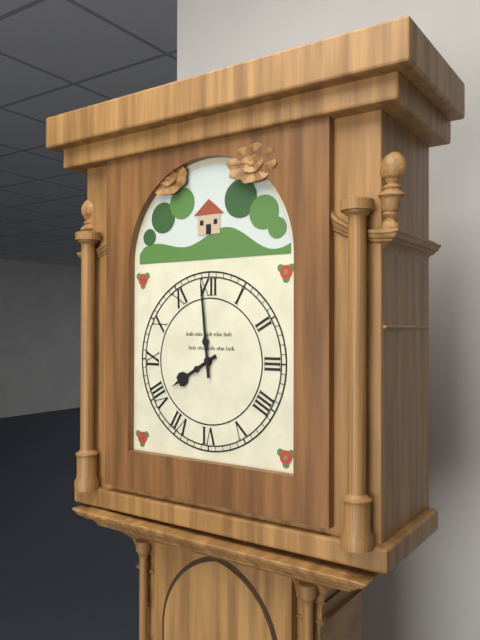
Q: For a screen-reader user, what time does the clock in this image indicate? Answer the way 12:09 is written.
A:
7:59
